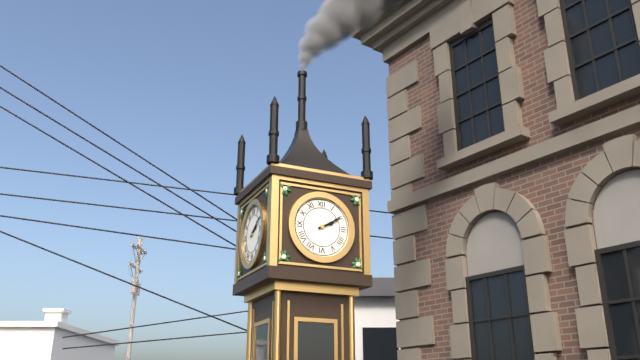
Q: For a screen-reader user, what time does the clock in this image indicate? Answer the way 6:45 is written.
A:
2:10
